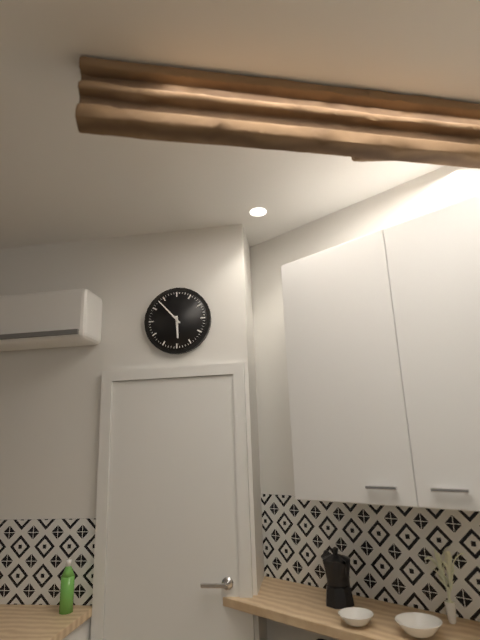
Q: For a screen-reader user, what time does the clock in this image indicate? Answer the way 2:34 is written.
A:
5:53
